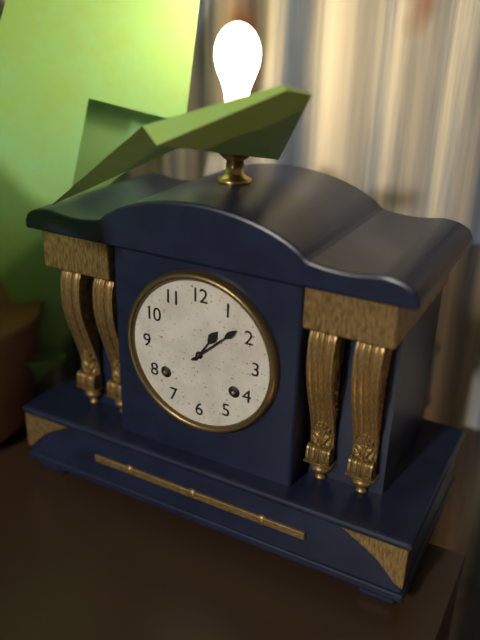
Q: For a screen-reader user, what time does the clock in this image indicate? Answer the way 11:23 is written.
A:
1:08
